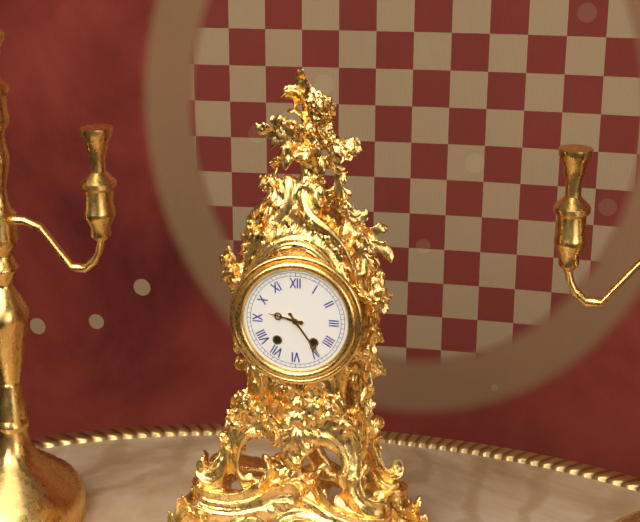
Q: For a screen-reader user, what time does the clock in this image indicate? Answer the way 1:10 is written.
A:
9:24
